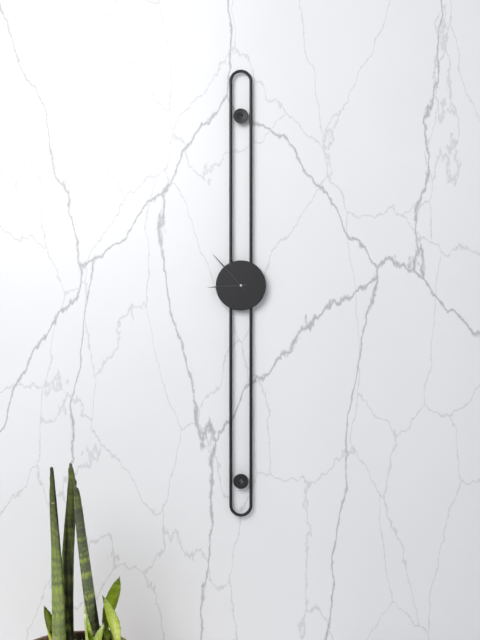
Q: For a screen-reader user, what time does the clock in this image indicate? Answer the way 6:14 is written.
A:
8:53
